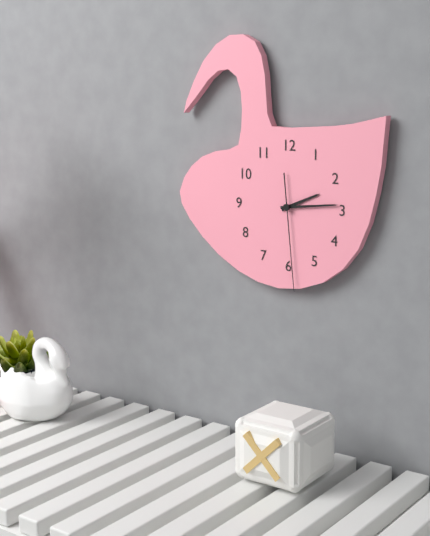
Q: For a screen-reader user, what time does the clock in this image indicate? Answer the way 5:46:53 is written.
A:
2:14:29
